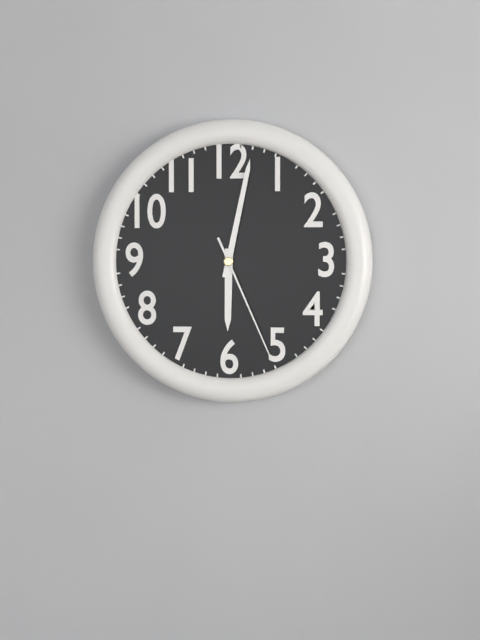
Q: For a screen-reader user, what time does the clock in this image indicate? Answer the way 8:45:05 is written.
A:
6:02:26
